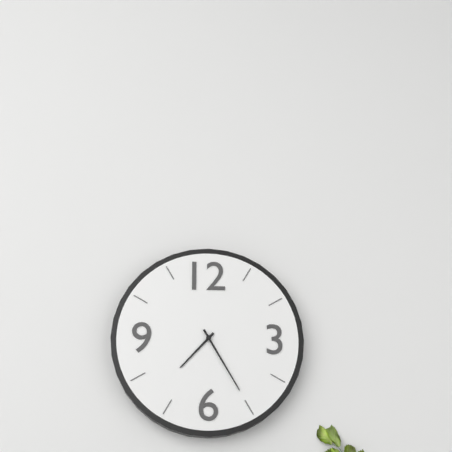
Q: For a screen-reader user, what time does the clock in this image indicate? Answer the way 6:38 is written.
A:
7:25
